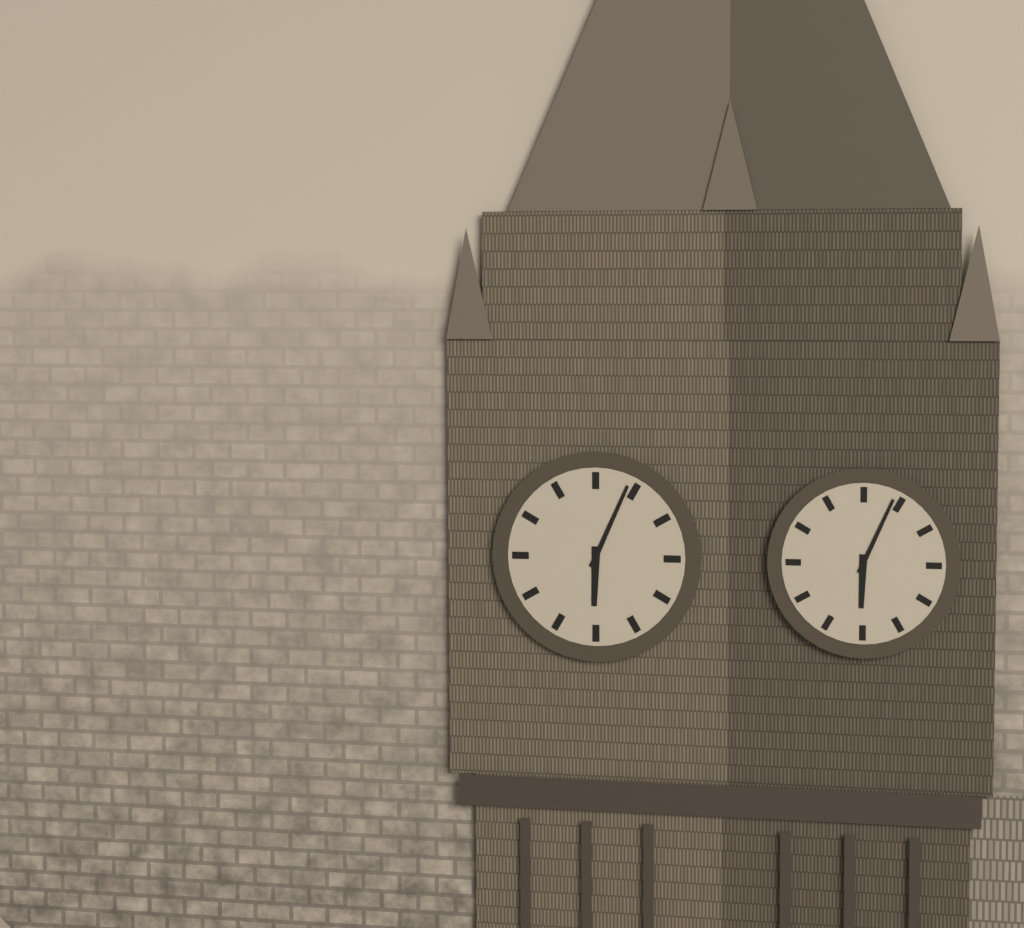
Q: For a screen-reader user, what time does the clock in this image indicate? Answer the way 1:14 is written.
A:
6:04
